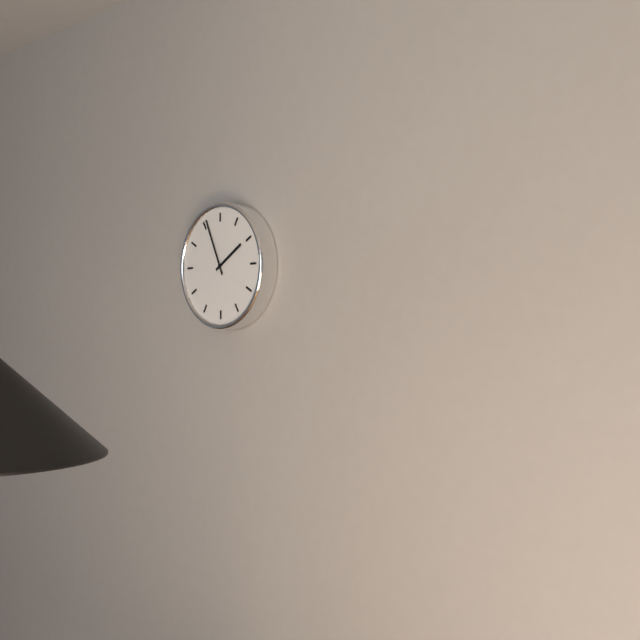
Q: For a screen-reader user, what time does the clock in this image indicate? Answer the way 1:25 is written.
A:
1:56
